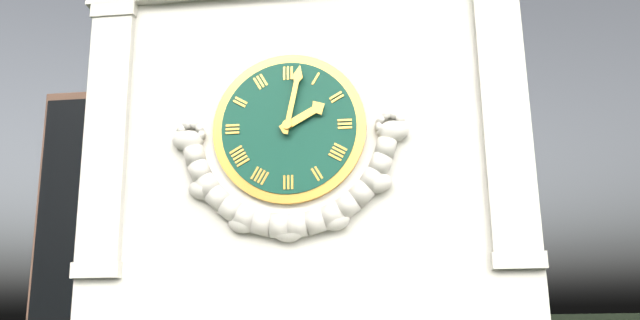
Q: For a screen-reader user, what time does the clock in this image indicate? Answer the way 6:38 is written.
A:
2:02
